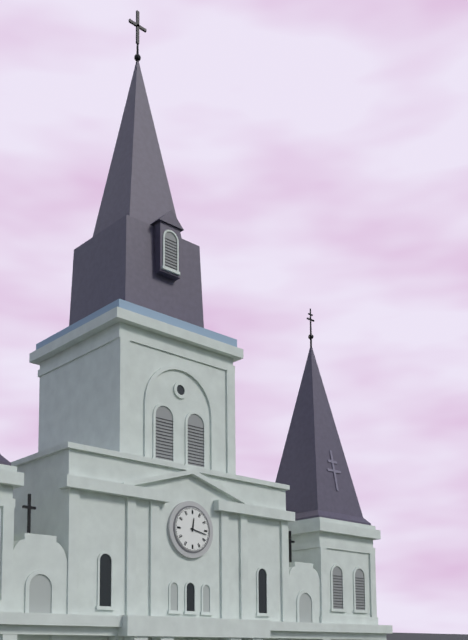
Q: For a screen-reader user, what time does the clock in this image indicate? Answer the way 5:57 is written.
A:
12:17
